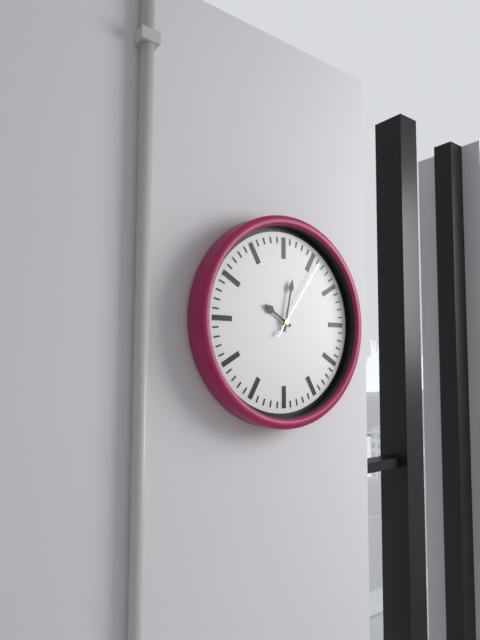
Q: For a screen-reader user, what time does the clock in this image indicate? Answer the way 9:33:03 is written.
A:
10:02:06
